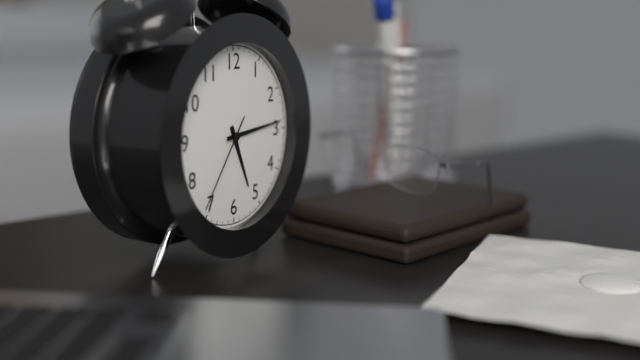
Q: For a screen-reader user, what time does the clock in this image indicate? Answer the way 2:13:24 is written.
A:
5:14:36
